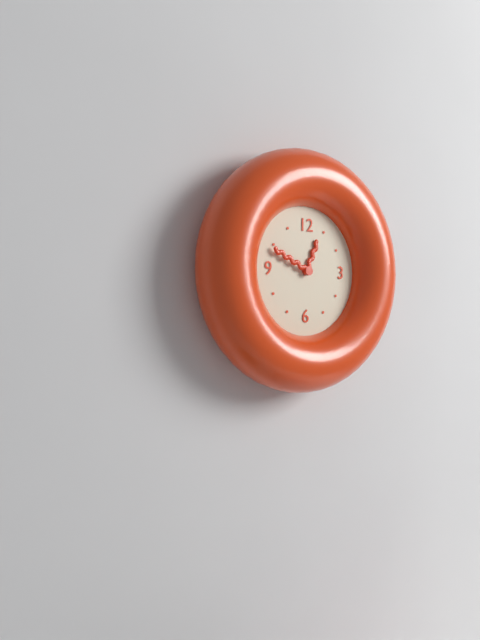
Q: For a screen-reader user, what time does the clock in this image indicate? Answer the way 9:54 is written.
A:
12:49
